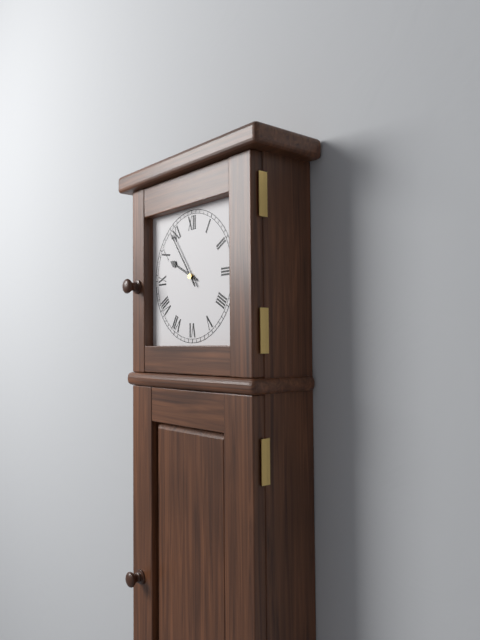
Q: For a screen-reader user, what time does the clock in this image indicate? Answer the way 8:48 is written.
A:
9:54
